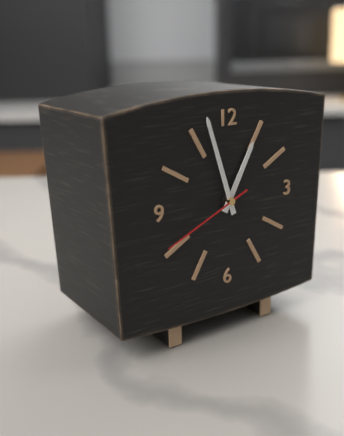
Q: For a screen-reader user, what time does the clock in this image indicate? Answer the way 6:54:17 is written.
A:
12:57:41
